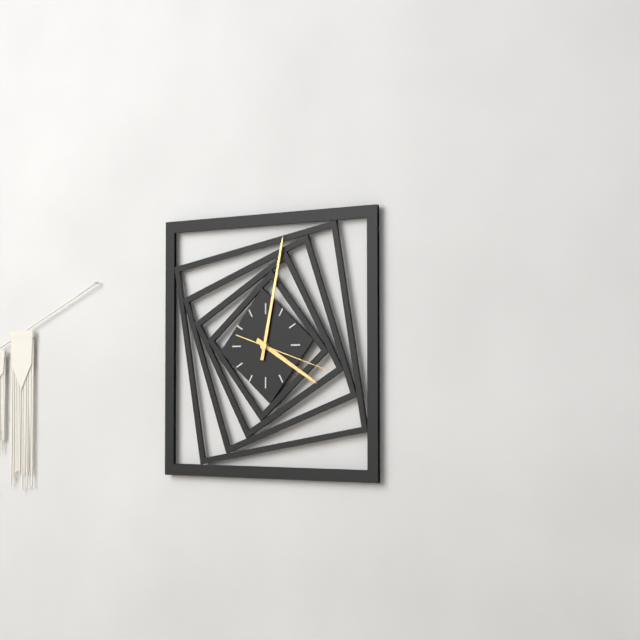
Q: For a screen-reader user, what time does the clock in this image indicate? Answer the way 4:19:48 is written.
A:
4:02:18
